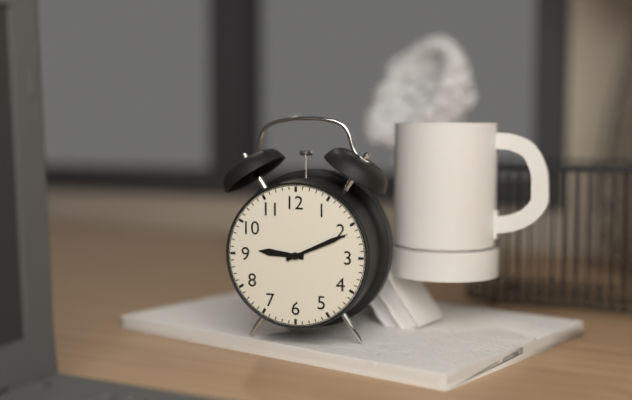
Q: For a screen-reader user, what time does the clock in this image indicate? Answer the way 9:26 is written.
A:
9:11
